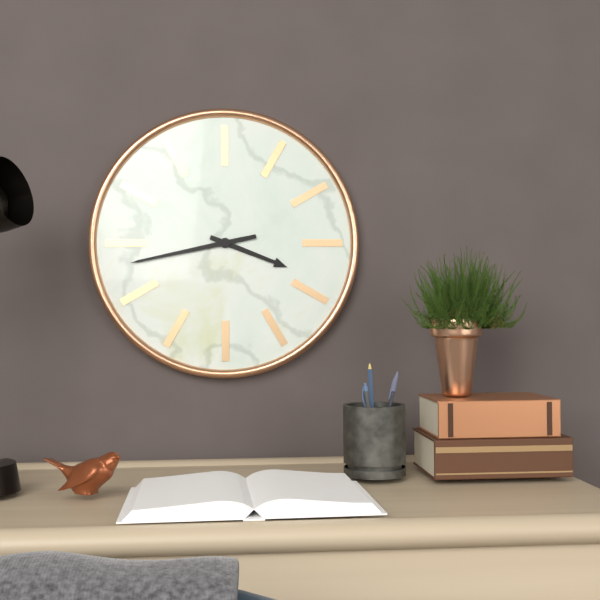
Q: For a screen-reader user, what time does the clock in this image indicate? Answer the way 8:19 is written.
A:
3:43
